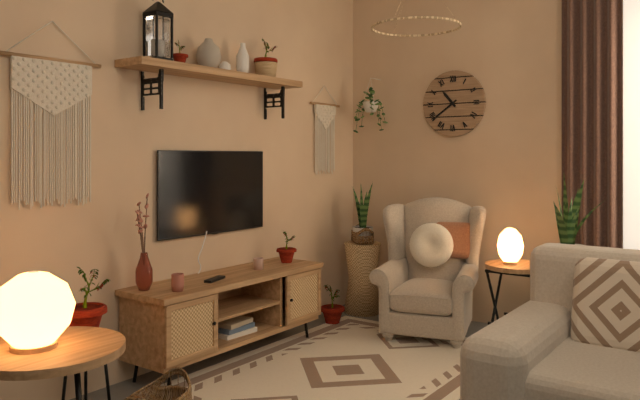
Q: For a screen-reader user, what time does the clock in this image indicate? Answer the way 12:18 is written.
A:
10:39
